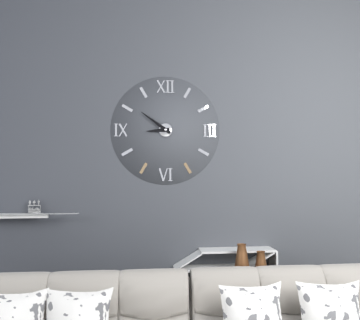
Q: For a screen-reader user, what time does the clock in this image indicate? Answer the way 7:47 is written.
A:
8:51
